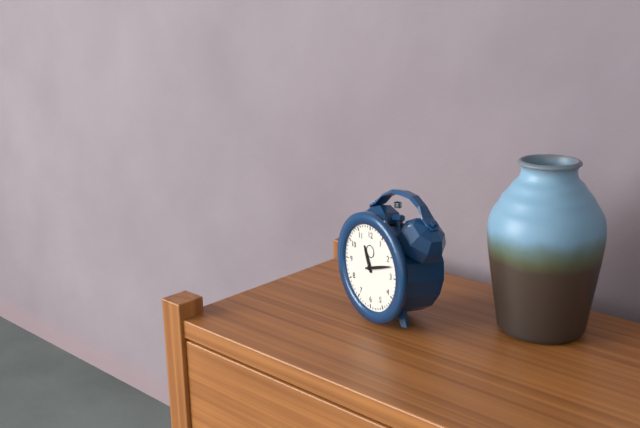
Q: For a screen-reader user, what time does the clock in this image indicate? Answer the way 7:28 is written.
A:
11:12
